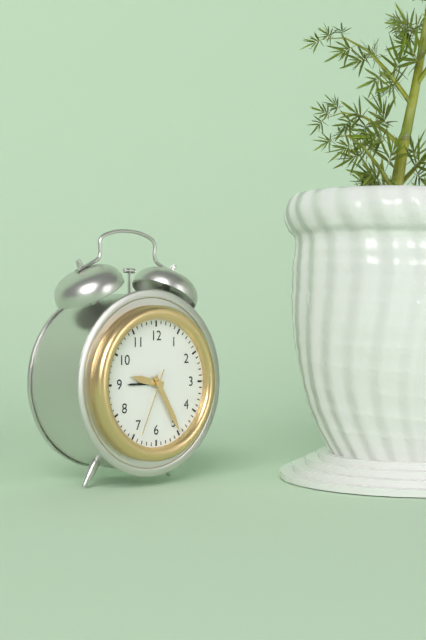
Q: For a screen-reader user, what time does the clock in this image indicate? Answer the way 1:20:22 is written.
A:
9:25:34
